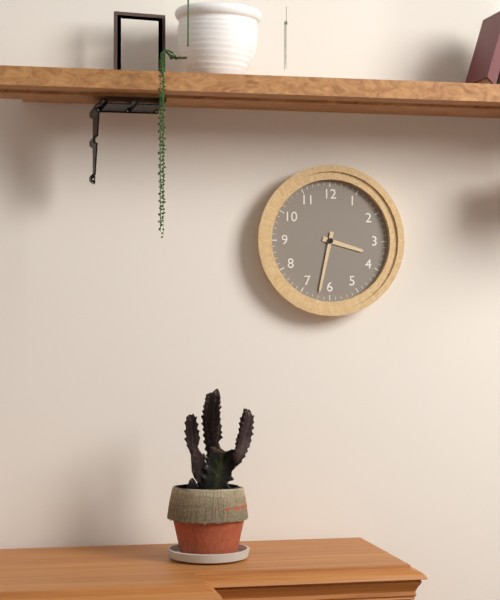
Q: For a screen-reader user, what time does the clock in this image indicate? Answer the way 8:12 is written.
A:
3:32
